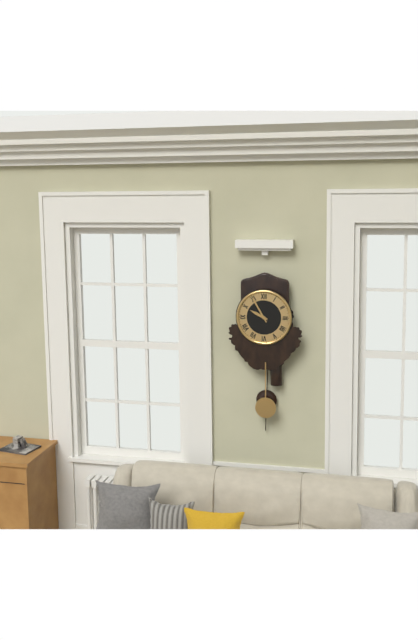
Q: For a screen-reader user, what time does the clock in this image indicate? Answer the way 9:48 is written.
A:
9:55
